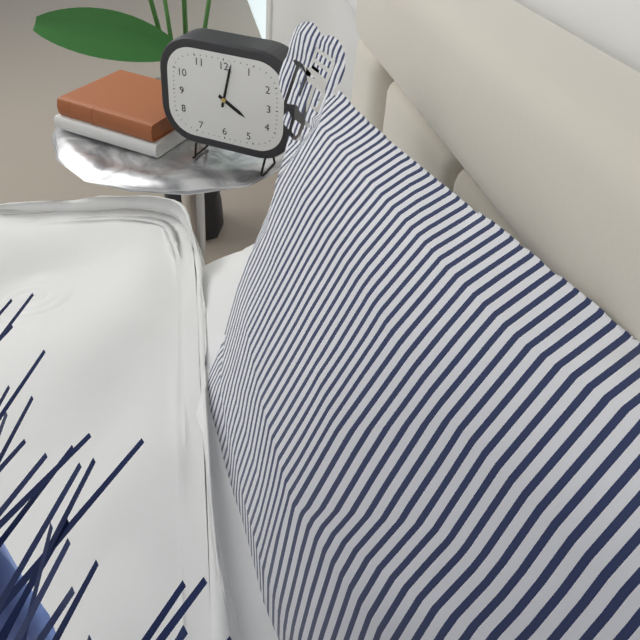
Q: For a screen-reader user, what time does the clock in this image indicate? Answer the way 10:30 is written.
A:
4:02
